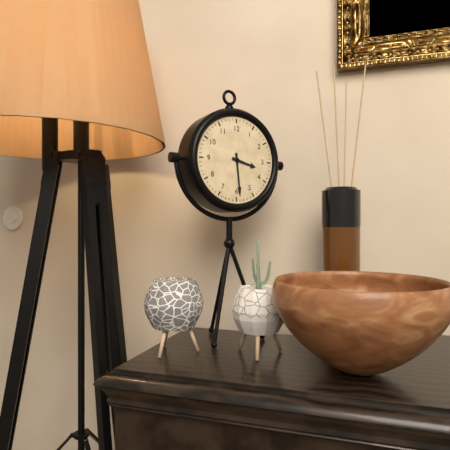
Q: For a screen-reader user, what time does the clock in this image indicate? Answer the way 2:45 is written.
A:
3:29
